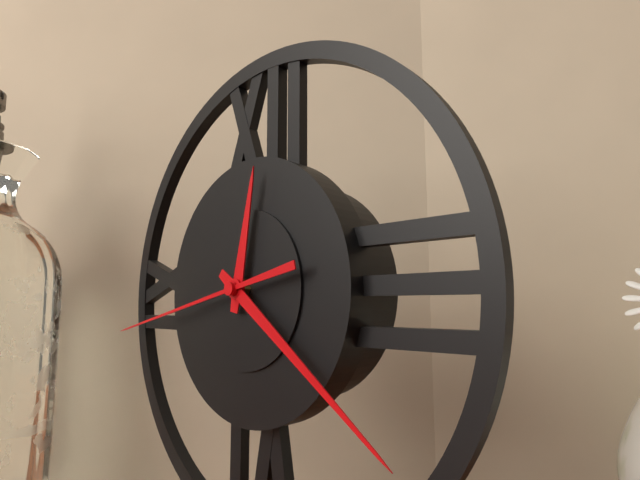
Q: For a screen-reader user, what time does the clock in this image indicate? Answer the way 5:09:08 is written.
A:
12:21:43
